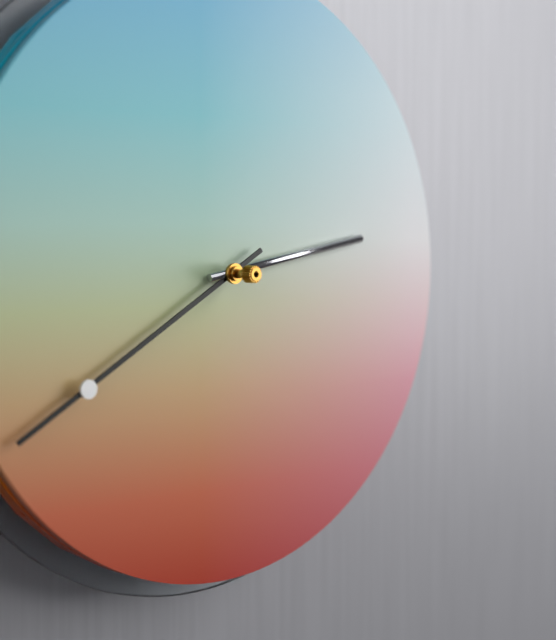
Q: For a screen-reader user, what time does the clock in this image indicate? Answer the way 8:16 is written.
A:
2:40
